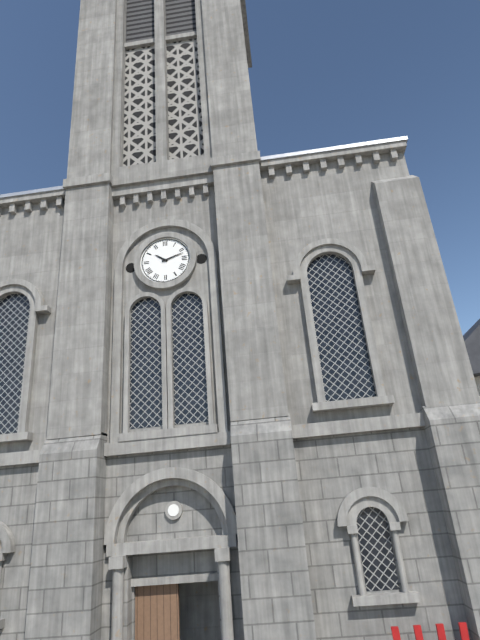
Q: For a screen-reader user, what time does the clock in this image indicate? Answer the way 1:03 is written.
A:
10:12
